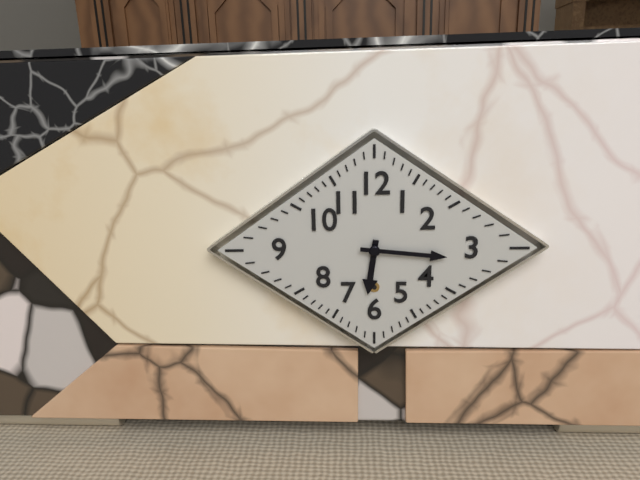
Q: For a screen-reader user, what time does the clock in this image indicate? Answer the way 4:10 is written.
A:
6:16
